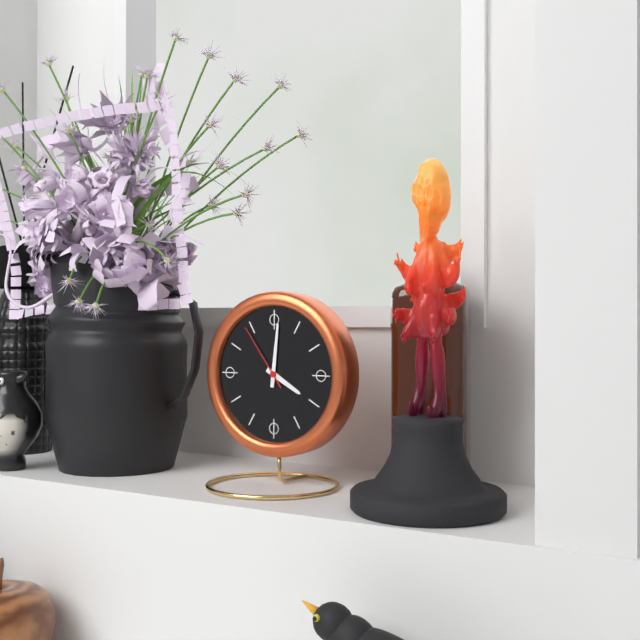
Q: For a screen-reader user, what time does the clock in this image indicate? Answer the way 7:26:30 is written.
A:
4:01:54
